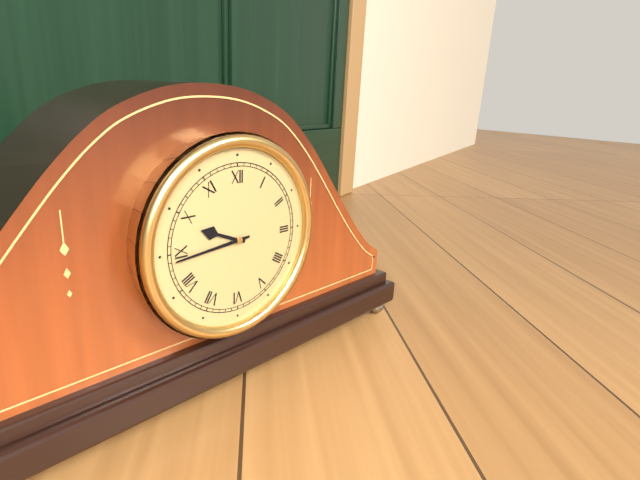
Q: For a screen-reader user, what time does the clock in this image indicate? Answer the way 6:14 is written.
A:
9:44
